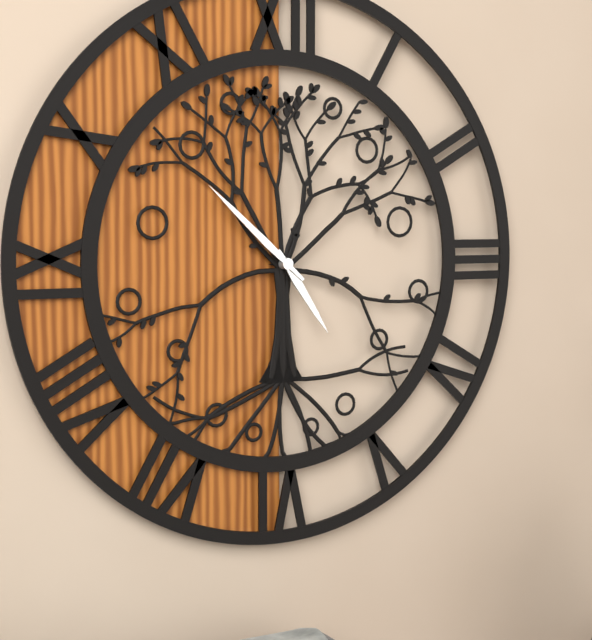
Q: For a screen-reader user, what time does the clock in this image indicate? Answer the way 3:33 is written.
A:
4:52
